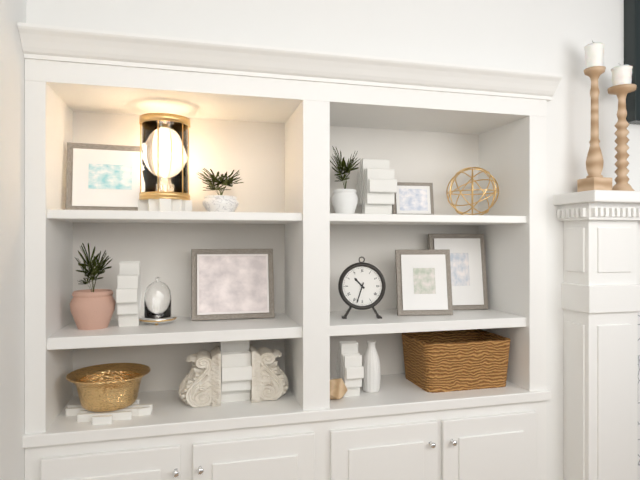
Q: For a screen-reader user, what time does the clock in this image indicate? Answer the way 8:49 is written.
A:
10:33
